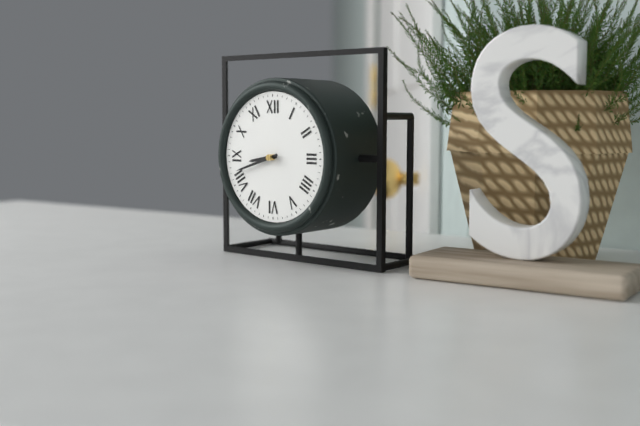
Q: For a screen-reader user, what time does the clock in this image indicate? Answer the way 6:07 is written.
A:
8:42
